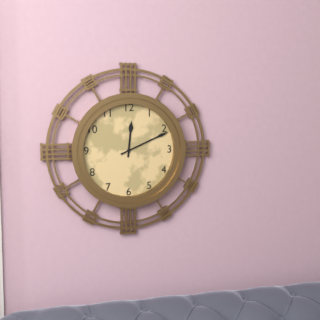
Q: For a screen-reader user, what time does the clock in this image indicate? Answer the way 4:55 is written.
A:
12:11
